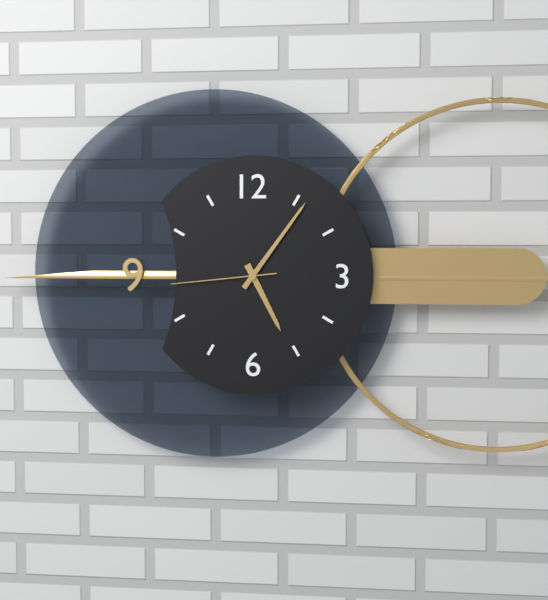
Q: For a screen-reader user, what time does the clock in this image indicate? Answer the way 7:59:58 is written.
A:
5:06:44
